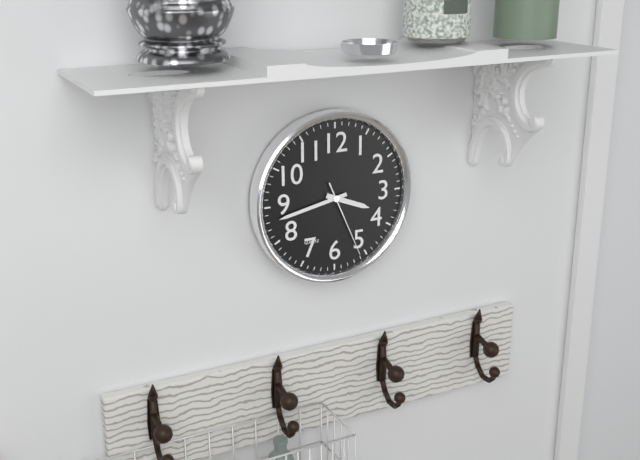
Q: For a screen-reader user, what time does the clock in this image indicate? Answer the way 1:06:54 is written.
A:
3:43:26
